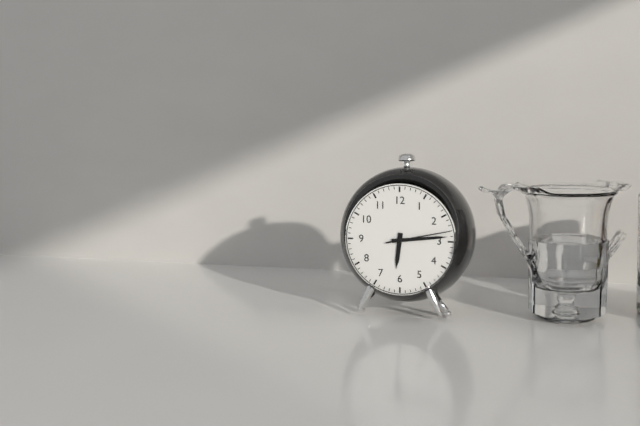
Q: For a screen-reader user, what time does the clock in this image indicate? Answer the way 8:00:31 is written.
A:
6:14:13
